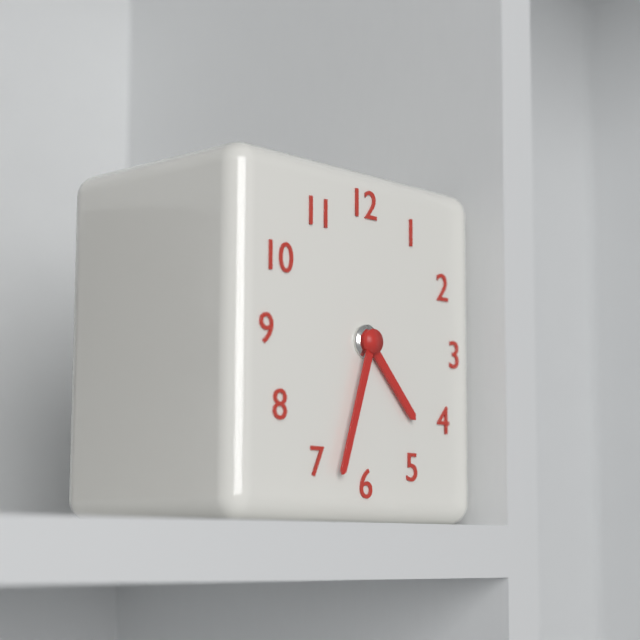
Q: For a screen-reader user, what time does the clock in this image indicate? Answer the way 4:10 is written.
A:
4:33
